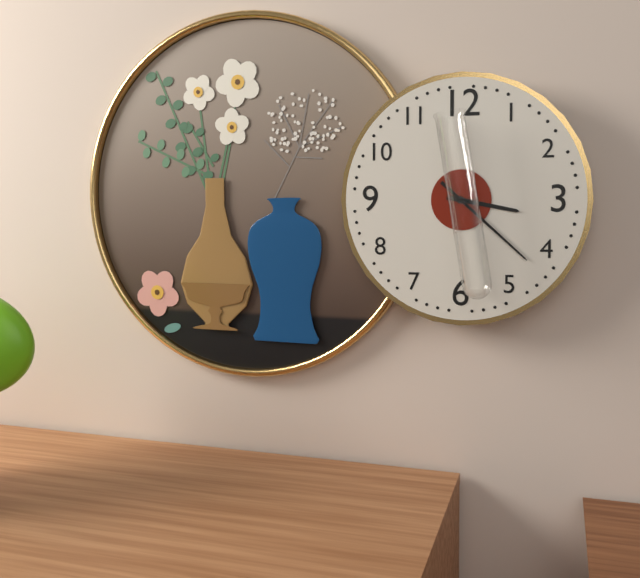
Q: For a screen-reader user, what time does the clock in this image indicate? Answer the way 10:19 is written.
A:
3:22
